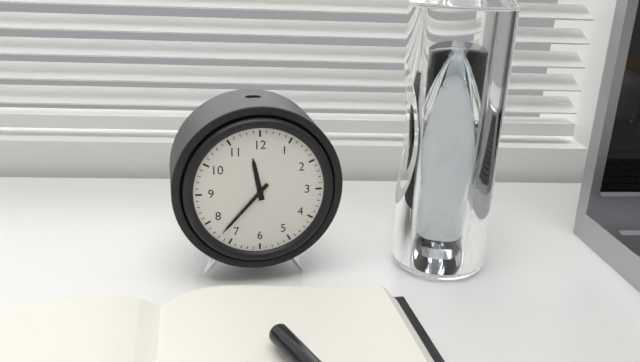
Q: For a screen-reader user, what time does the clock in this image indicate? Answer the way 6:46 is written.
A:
11:37
